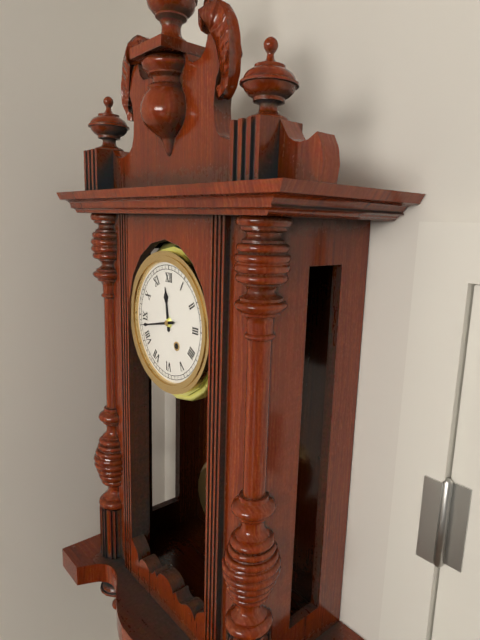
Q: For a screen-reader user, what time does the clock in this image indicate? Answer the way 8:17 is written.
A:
11:43
